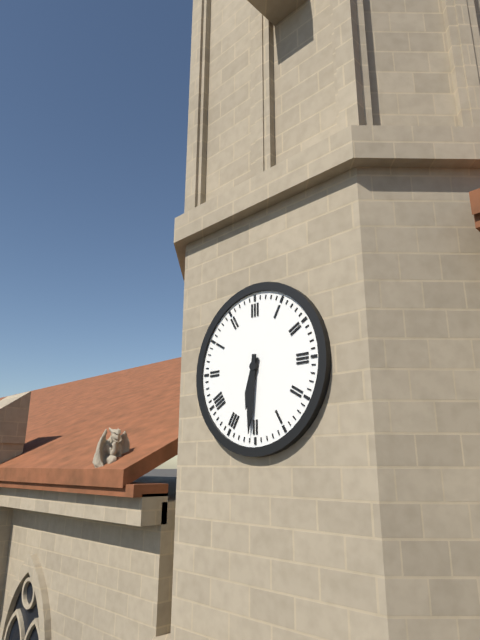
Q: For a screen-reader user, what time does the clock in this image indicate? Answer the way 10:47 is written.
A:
6:31
